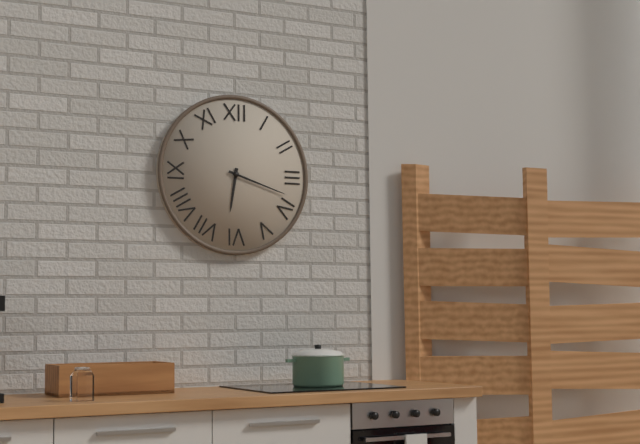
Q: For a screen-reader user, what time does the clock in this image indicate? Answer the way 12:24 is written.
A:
6:18
